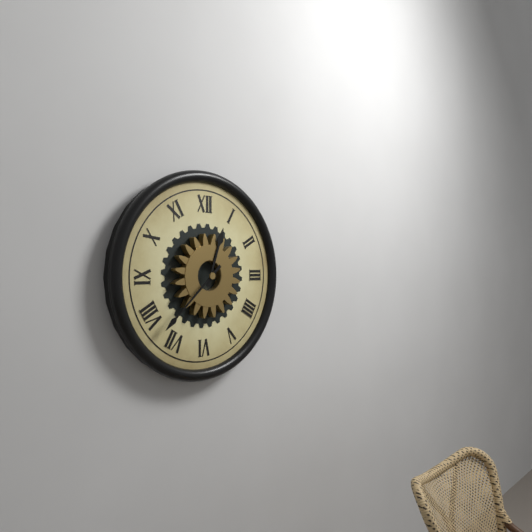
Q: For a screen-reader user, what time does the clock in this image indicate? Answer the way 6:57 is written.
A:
12:38
